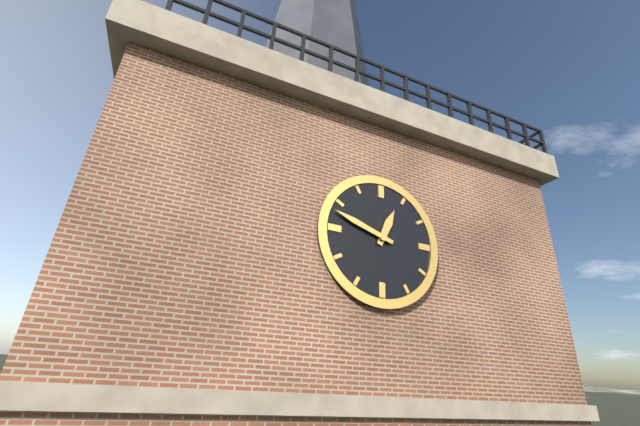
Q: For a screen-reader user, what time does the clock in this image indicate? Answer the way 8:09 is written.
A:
12:48
